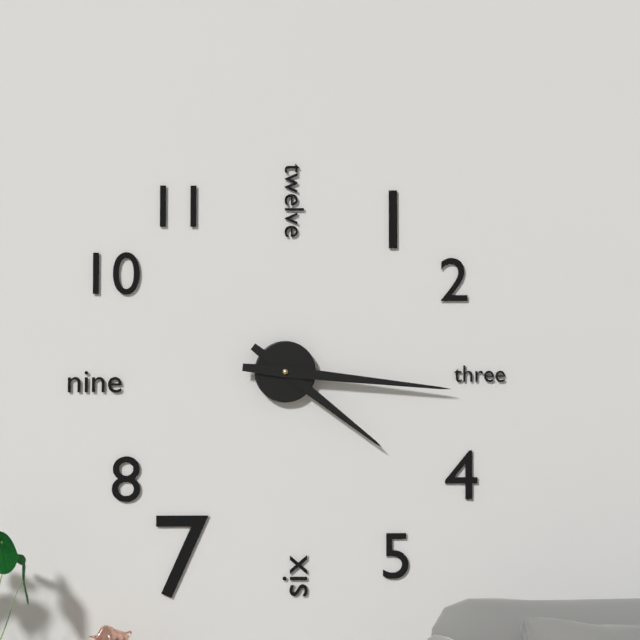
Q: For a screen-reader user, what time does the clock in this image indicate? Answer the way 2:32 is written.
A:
4:16
